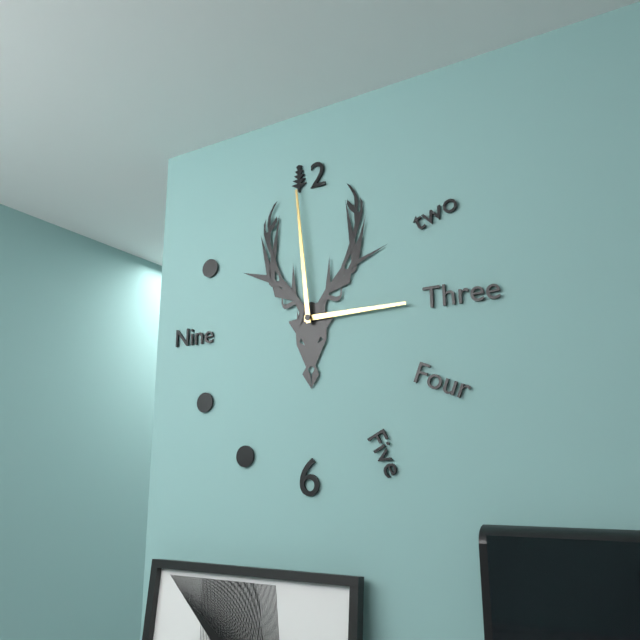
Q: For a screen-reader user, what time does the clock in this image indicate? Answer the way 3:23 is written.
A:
2:59
